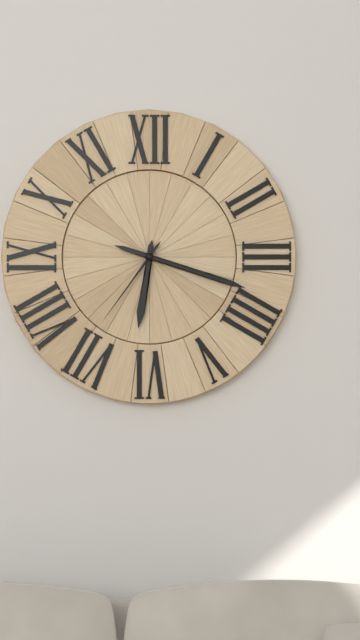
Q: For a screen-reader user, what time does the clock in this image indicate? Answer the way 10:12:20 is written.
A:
6:18:36
